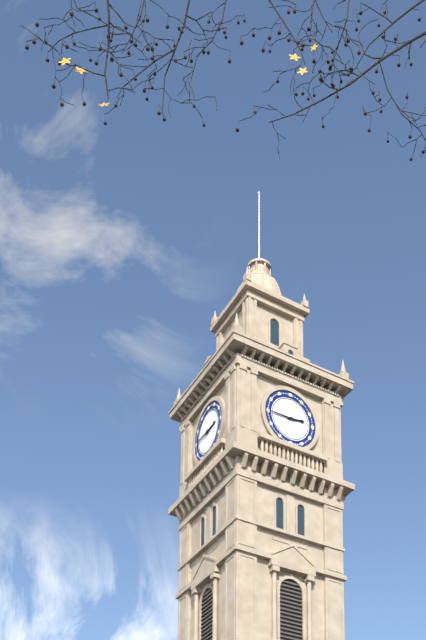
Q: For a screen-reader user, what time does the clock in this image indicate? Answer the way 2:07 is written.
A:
2:45
